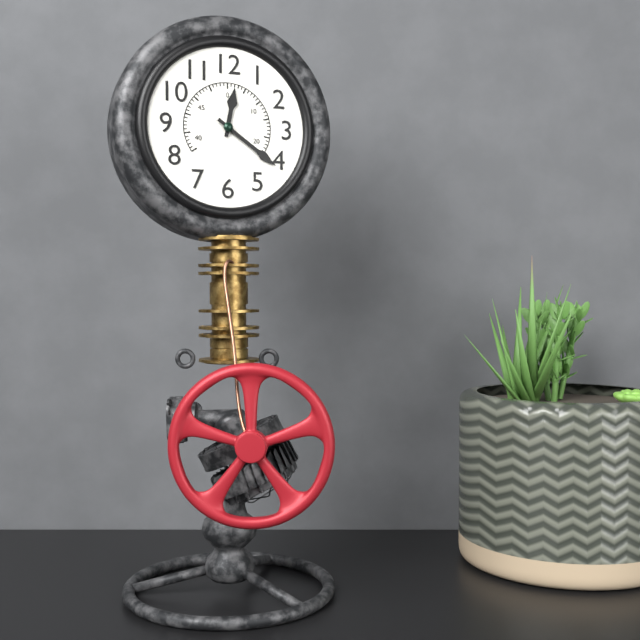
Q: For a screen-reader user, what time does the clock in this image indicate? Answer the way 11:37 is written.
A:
12:21
